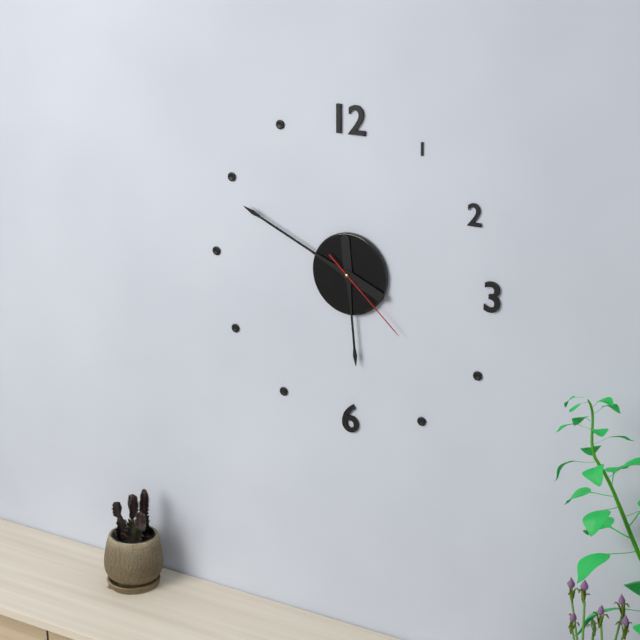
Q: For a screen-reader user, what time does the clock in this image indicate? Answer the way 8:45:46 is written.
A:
5:49:22
